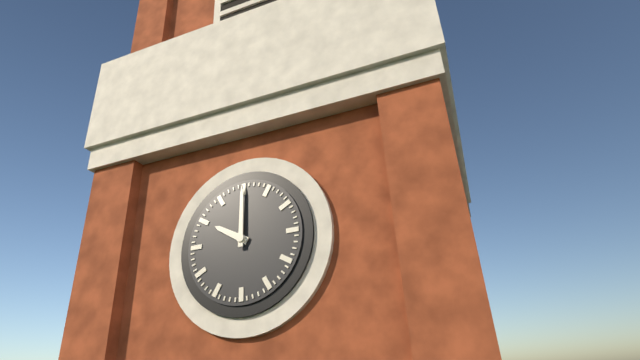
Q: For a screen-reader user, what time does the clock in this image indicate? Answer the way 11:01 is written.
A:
10:00
